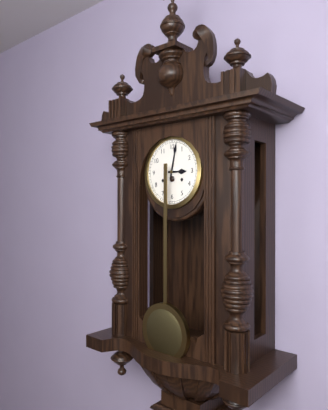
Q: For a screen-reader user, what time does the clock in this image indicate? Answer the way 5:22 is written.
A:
3:02
